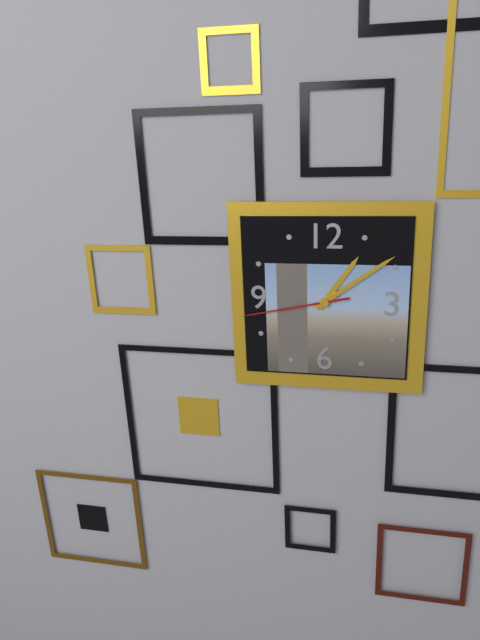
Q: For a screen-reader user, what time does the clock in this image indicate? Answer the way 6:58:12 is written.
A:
1:09:43
